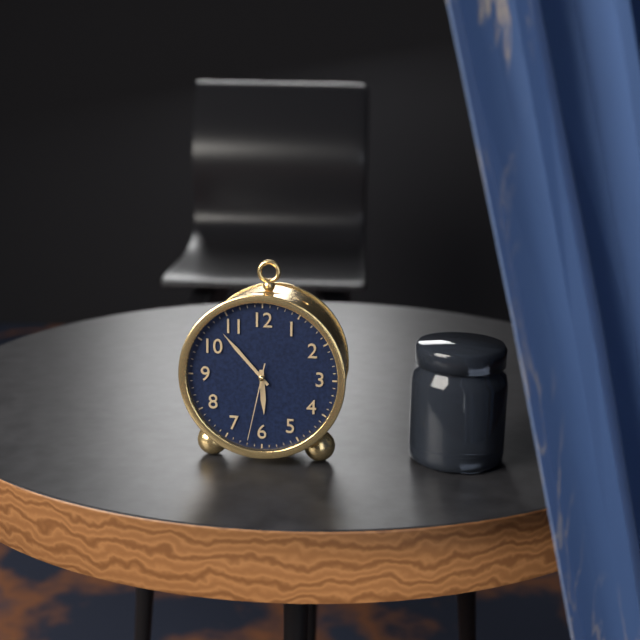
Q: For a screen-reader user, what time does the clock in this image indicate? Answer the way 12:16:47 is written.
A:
5:53:32
